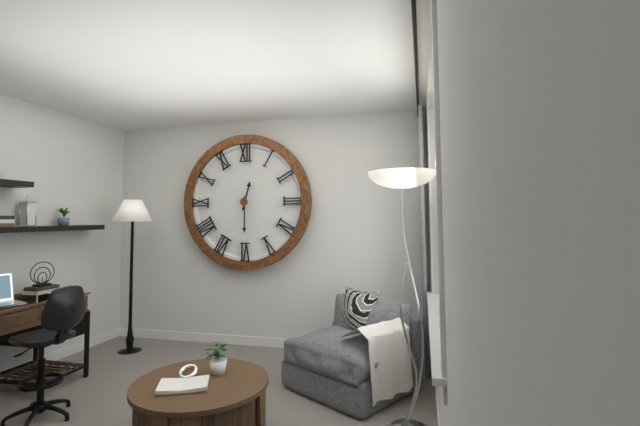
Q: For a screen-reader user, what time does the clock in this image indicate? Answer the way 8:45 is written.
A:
12:30
